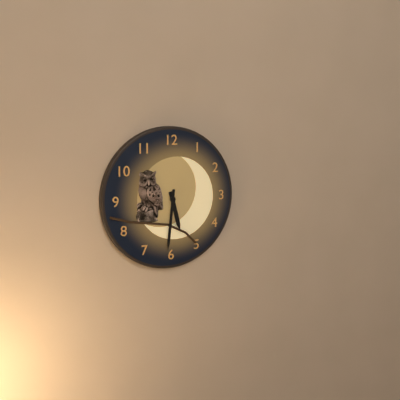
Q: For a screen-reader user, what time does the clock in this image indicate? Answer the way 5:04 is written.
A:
5:31
